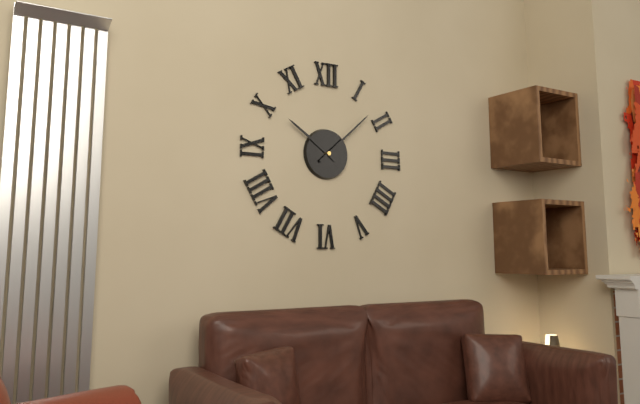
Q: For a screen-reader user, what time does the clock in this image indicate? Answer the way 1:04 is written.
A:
10:08
